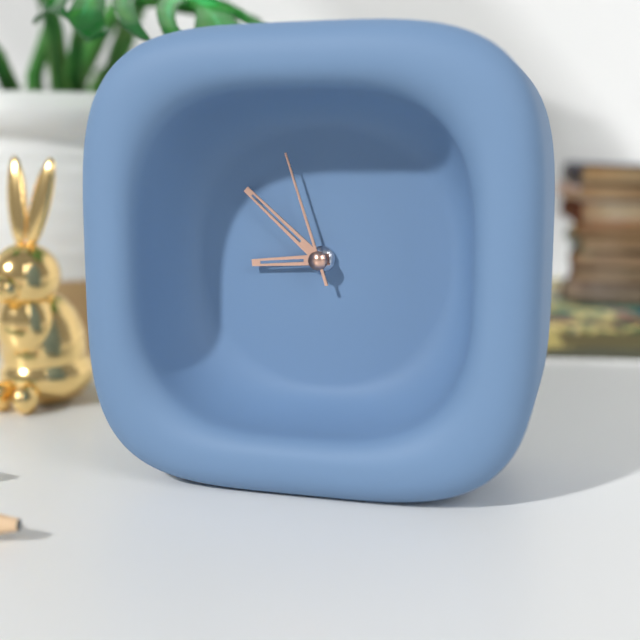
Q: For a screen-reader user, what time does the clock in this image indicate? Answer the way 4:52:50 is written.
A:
8:52:57
